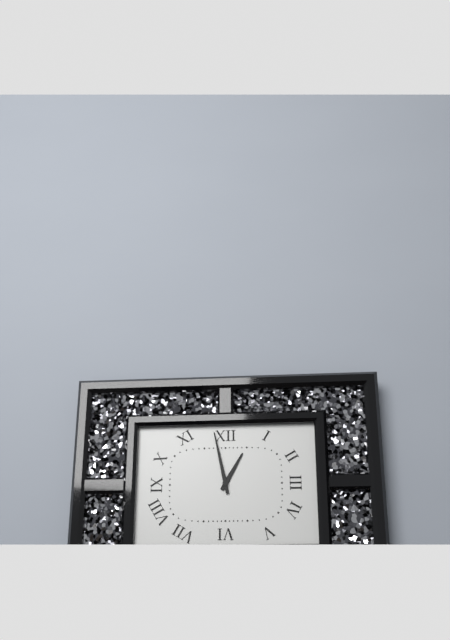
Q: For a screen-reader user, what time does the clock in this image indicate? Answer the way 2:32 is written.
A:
12:58
